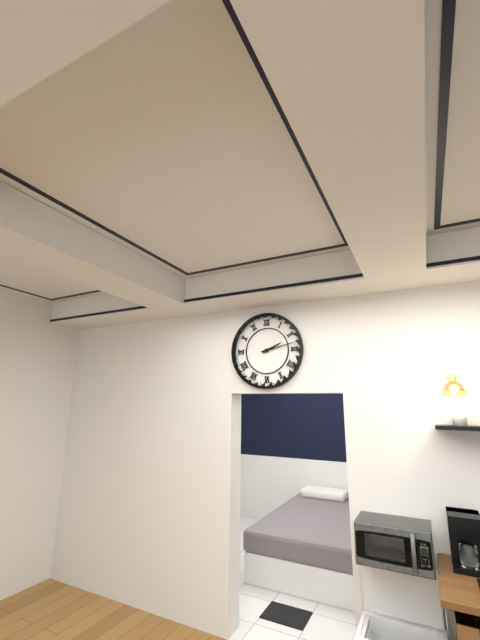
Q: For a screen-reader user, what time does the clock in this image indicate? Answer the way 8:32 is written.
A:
2:13
